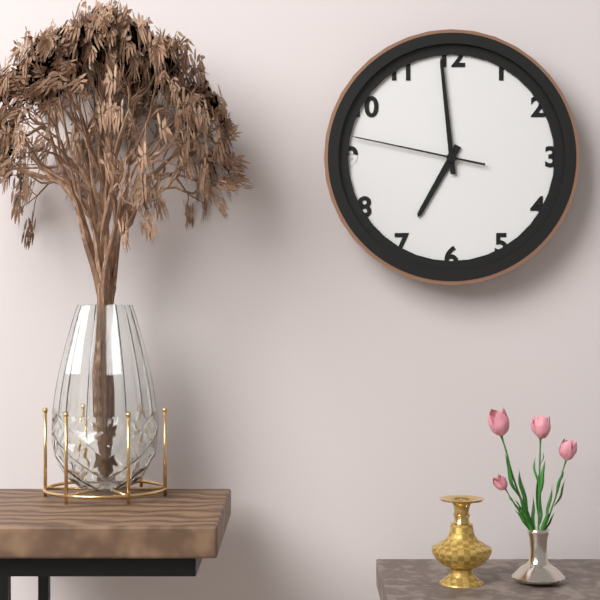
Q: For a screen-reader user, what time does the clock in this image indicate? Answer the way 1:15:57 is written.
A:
6:59:47
